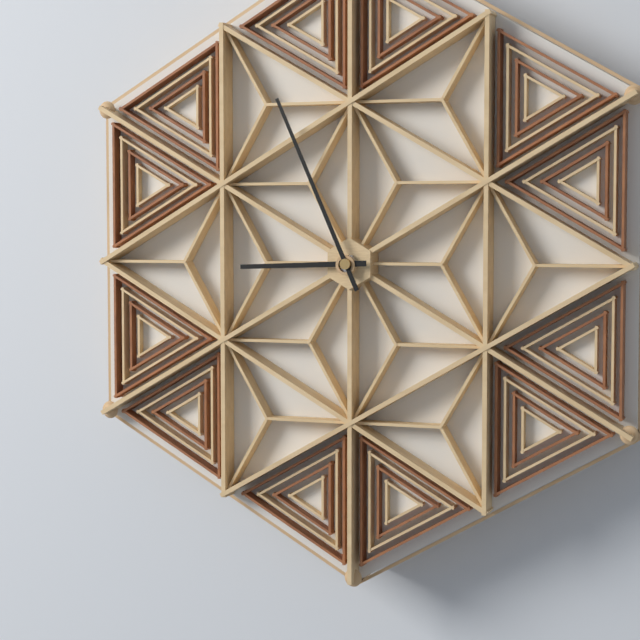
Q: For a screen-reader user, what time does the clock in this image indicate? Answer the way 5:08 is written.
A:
8:56
